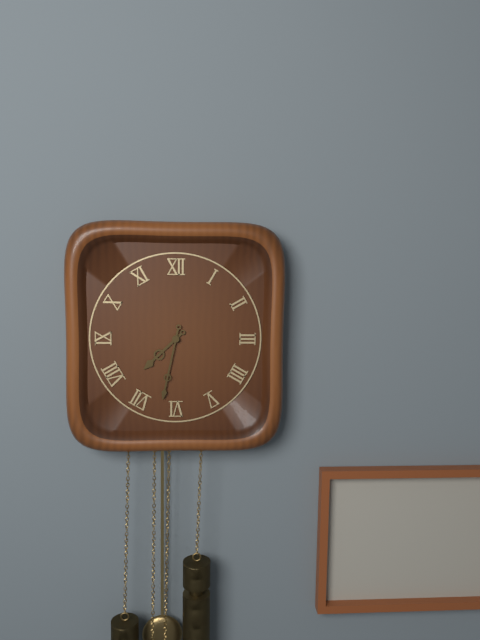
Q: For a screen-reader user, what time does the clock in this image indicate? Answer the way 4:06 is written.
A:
7:32
